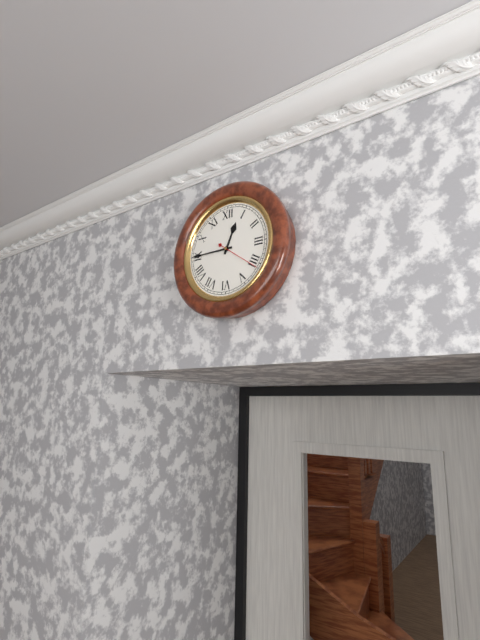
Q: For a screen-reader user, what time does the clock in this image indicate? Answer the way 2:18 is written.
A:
12:45
